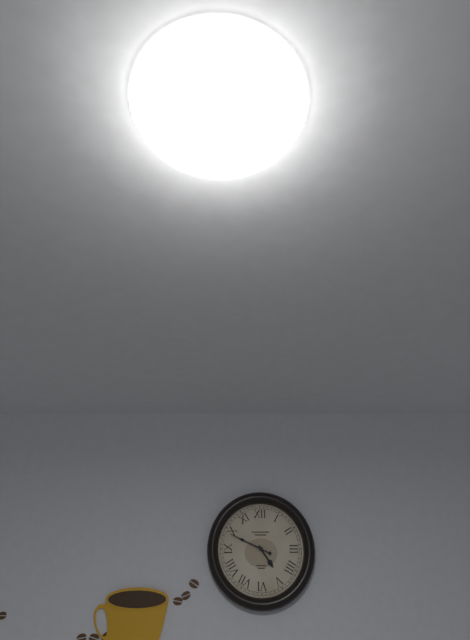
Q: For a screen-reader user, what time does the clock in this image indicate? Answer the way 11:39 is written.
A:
4:49
